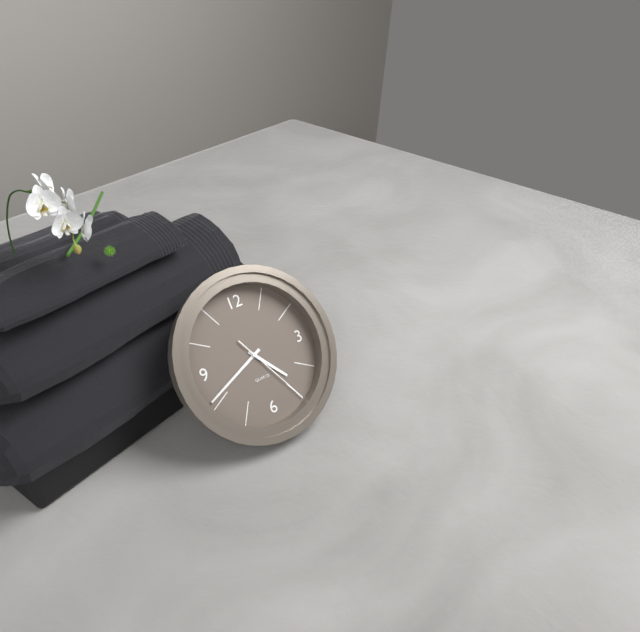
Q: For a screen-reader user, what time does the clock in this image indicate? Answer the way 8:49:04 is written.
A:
4:41:25
